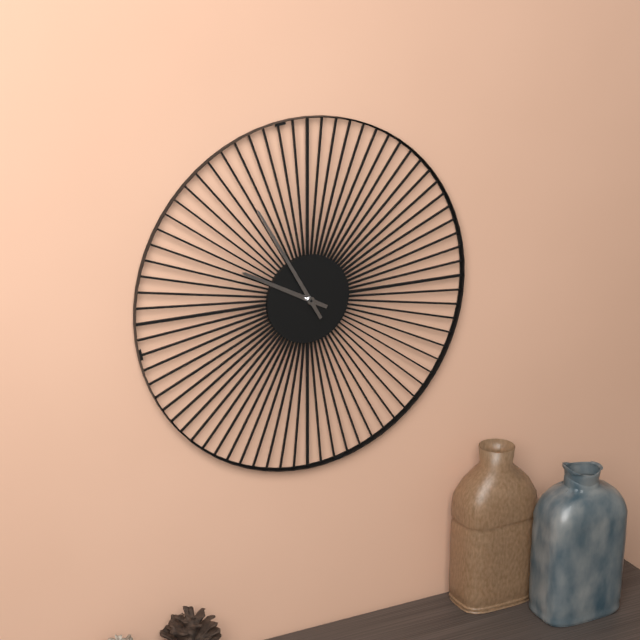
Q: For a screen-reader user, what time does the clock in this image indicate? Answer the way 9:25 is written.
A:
9:55
